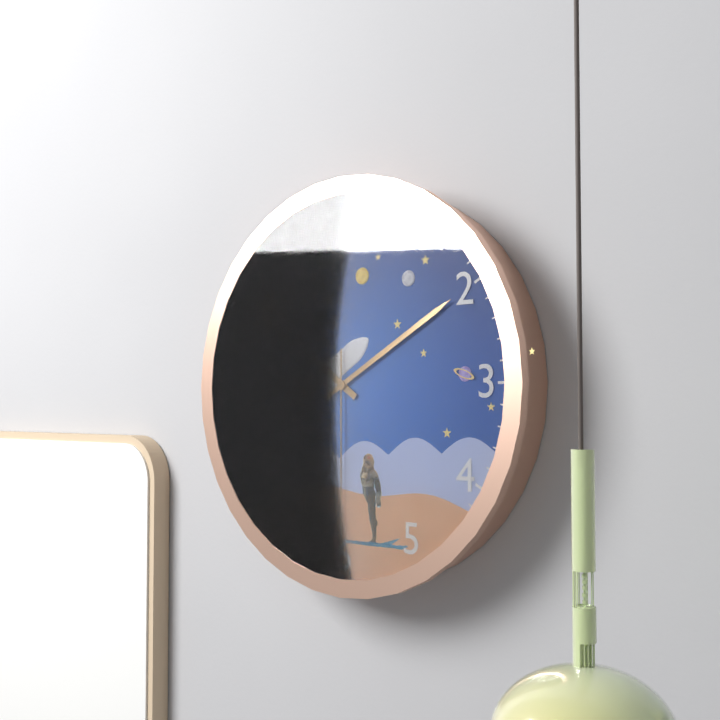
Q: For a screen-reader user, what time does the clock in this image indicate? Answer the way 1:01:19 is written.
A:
10:10:30
